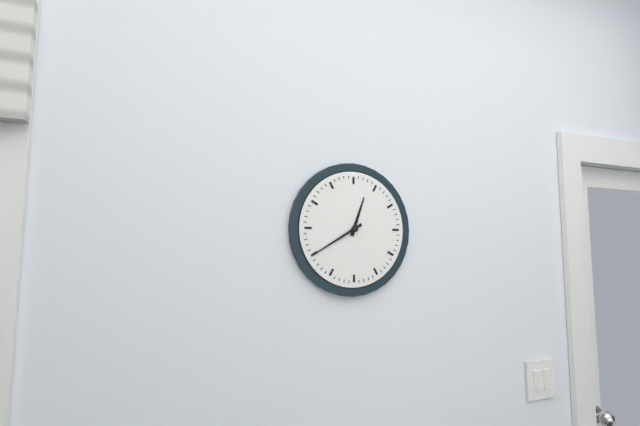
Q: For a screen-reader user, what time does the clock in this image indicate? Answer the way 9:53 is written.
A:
12:40
